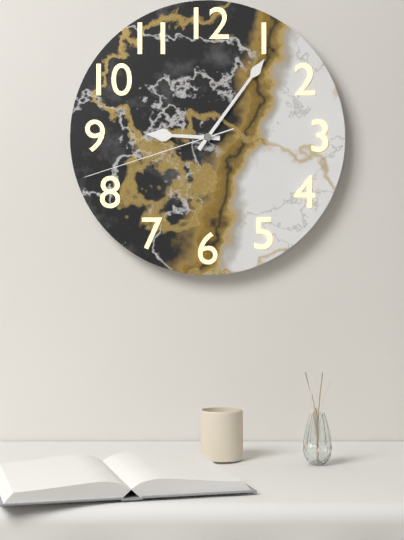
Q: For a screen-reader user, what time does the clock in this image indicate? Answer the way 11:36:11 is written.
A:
9:06:42
